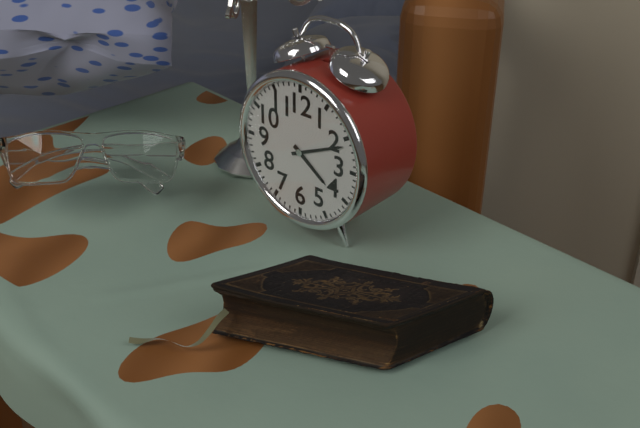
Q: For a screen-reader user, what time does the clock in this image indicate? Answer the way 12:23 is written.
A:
4:11
